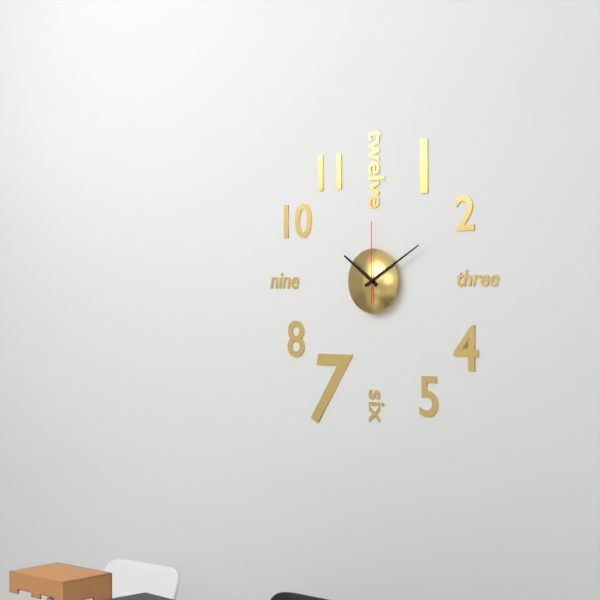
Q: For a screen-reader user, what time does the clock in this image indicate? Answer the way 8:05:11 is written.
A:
10:10:00
